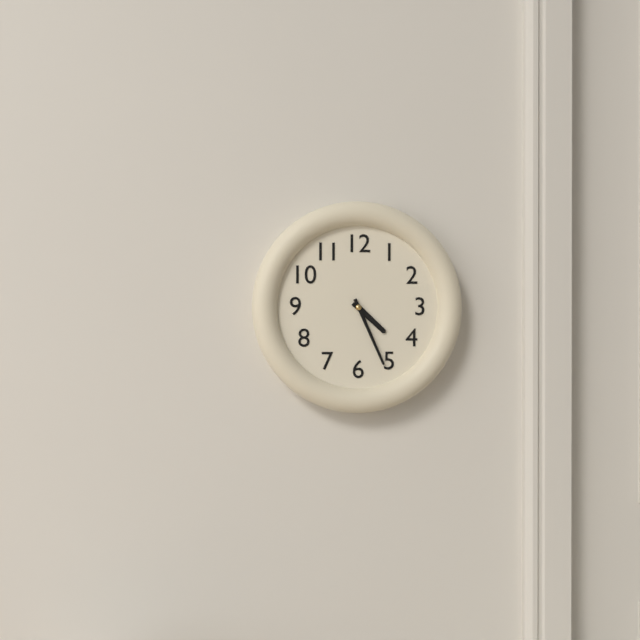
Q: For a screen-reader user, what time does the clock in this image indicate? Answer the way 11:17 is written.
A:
4:26
